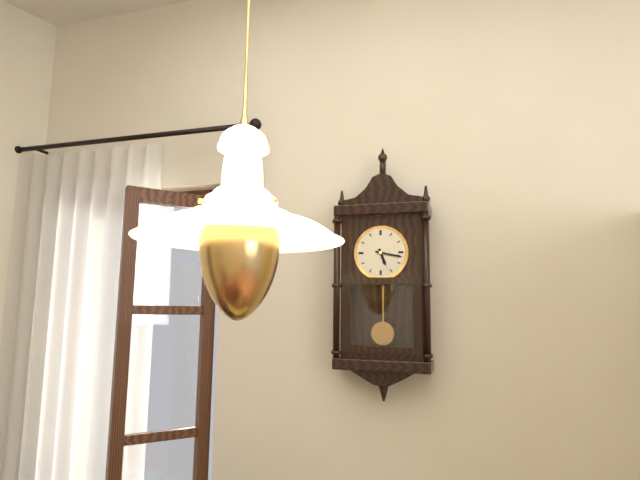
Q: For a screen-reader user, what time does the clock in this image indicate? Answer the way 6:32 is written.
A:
5:17
